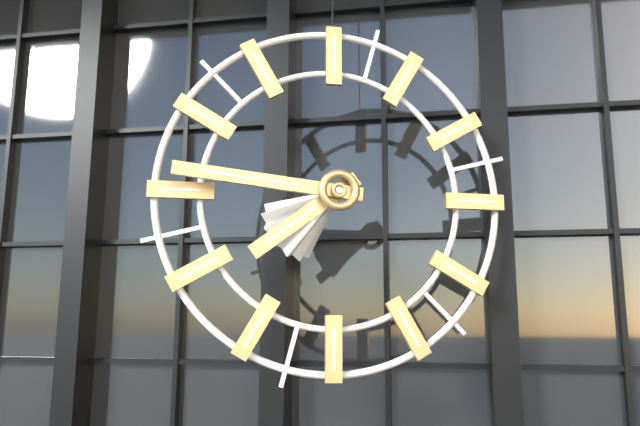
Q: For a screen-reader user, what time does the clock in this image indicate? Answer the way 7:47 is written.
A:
7:46
